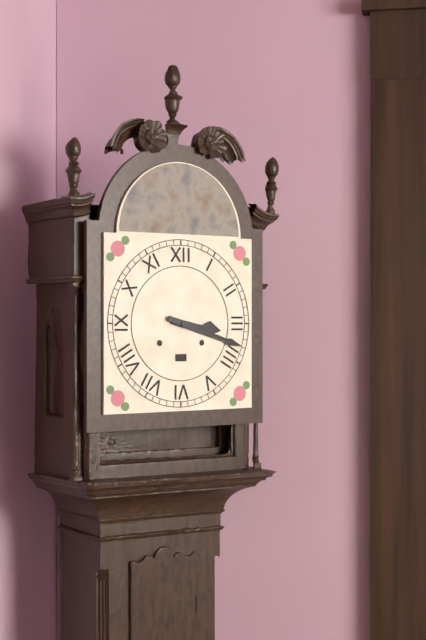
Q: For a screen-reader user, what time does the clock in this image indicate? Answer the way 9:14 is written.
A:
3:18
